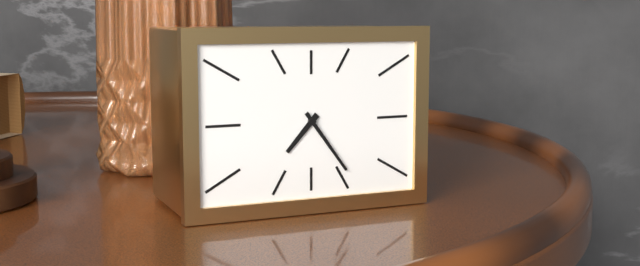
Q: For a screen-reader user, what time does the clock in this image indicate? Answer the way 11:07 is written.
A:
7:24
